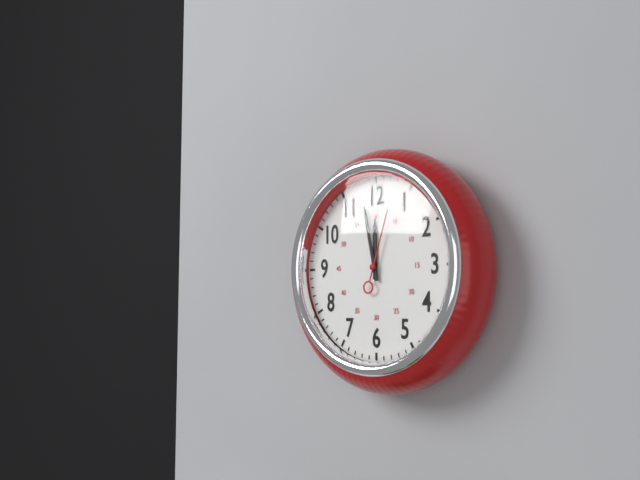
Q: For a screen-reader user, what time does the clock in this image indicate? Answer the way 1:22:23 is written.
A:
11:58:03
